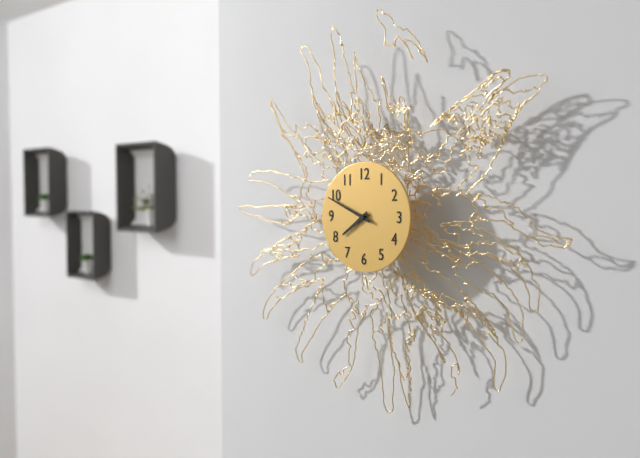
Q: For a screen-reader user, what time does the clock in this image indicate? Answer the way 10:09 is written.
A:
7:49
